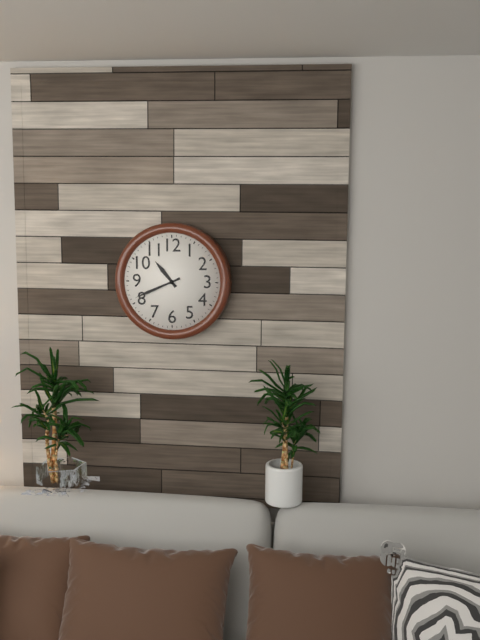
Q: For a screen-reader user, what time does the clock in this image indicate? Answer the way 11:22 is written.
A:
10:41
